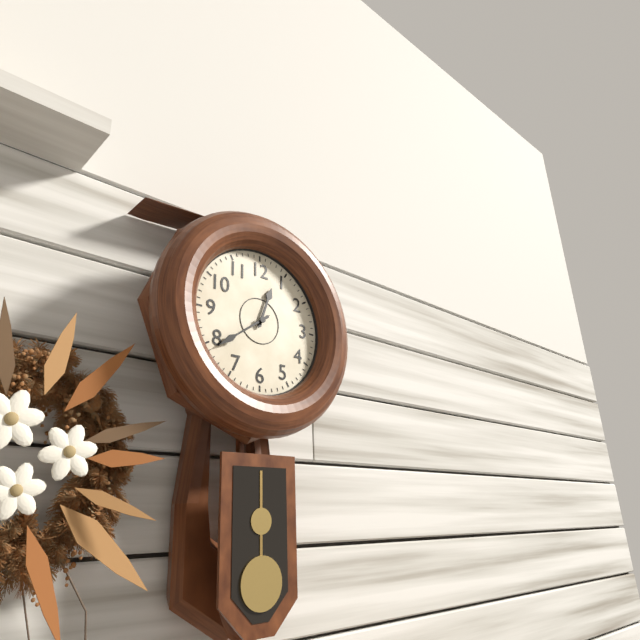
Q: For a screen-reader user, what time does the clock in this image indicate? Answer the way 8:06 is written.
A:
12:39
